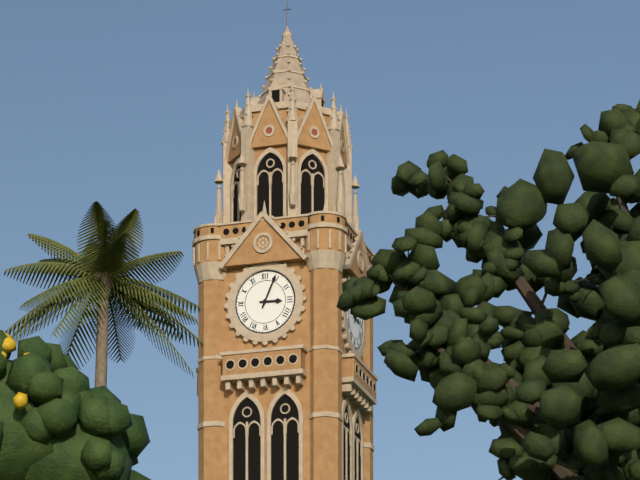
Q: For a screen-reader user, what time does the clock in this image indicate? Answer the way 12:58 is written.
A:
3:04
